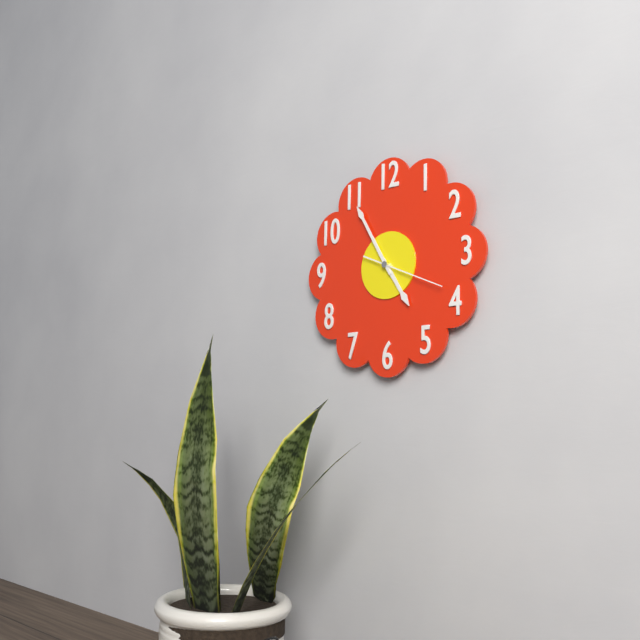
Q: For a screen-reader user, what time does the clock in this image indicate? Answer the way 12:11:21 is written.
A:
4:55:19
